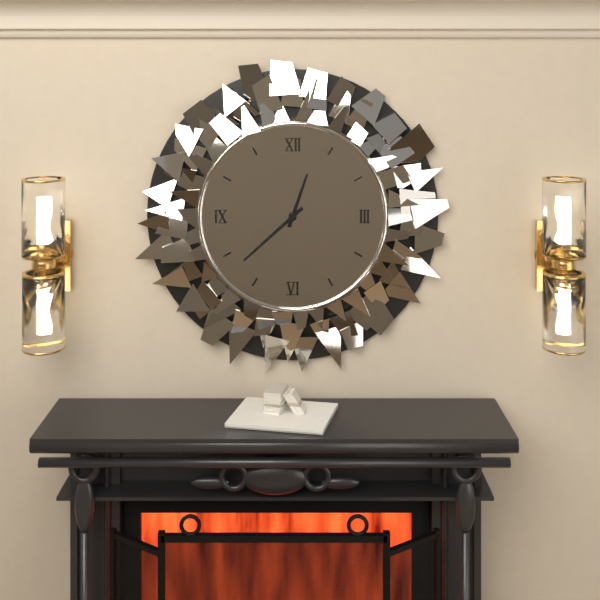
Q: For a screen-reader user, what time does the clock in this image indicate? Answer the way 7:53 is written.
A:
12:38
